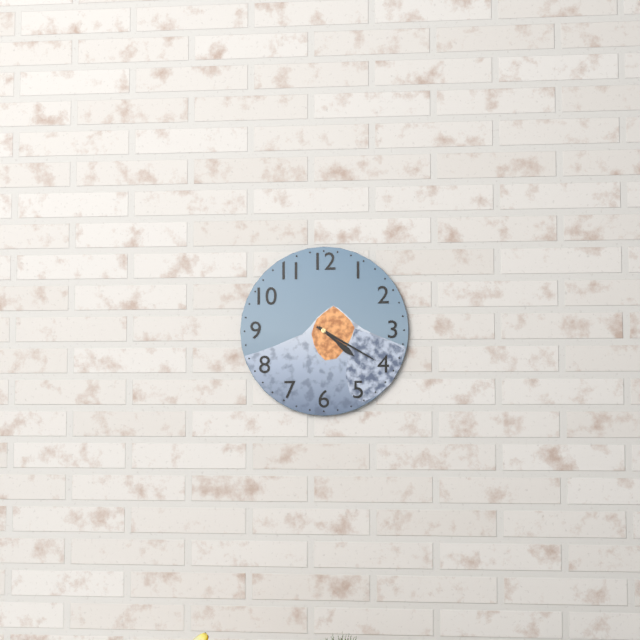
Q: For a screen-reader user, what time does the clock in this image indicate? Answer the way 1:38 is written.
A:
4:20
